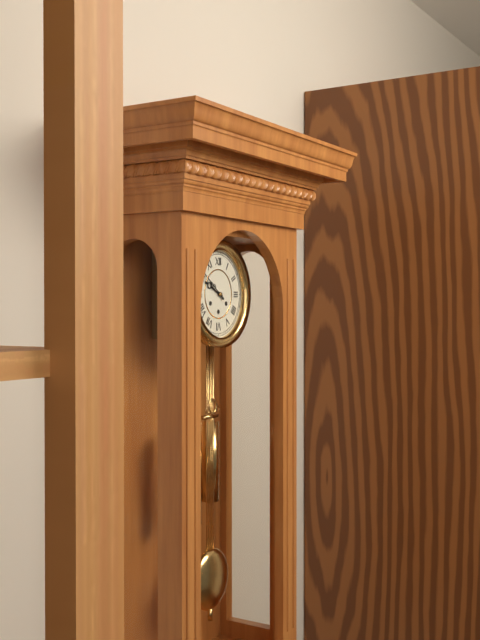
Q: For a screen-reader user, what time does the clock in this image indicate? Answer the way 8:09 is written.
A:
9:51
